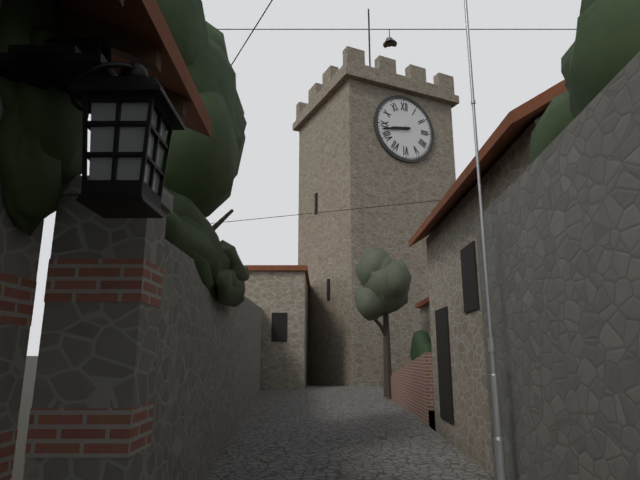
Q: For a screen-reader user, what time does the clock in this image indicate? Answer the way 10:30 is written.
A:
8:43
